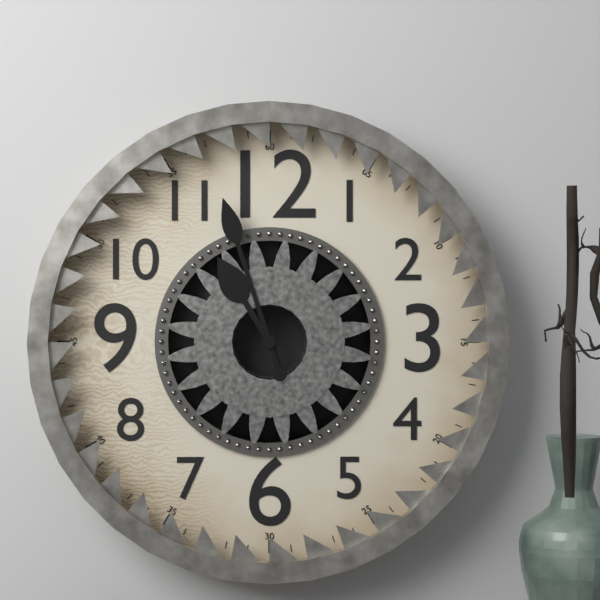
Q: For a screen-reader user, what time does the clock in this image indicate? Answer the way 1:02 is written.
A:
10:57
